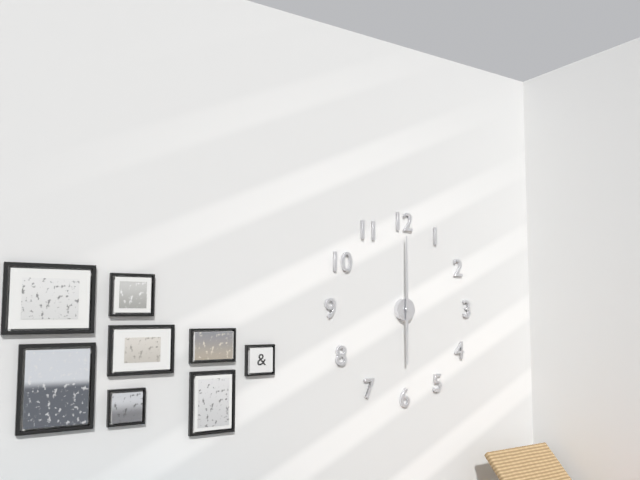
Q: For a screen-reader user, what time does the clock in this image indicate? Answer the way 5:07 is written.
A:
6:00
